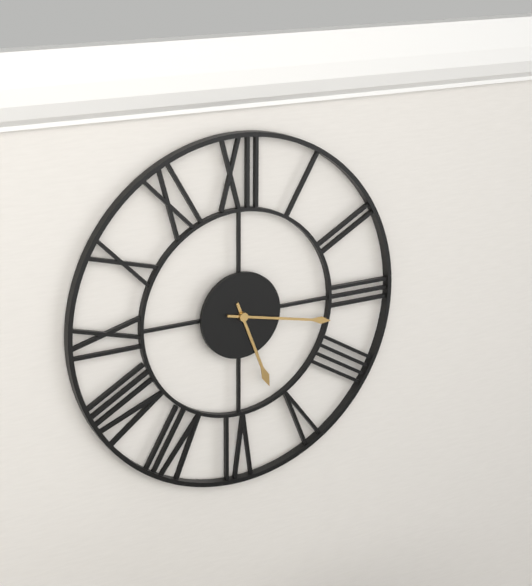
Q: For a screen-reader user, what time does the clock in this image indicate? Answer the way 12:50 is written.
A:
5:17
